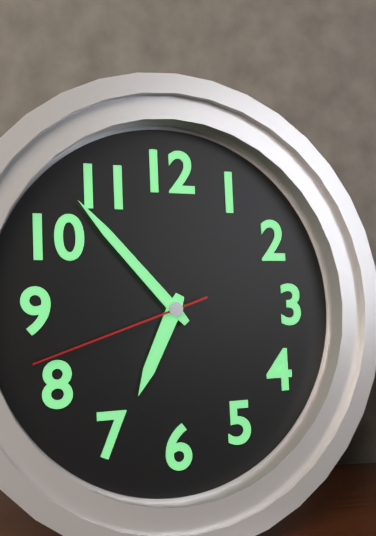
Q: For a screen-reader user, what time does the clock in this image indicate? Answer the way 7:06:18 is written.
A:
6:53:42
